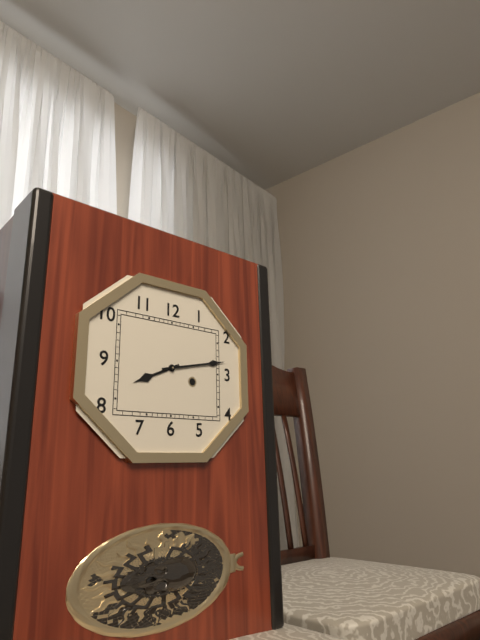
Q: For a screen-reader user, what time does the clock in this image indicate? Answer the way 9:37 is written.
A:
8:13
